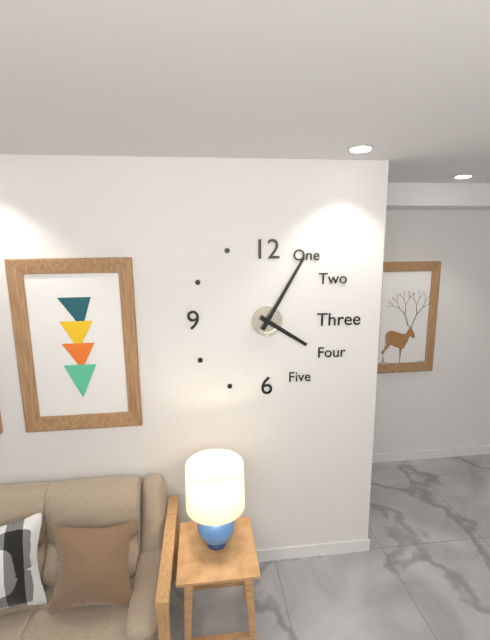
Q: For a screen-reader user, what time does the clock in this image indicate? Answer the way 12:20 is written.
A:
4:05
